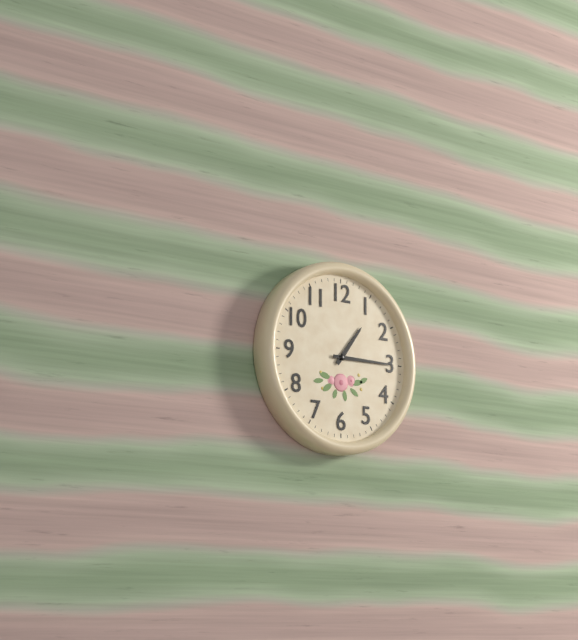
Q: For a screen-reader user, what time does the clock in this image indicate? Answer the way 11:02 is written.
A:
1:15
